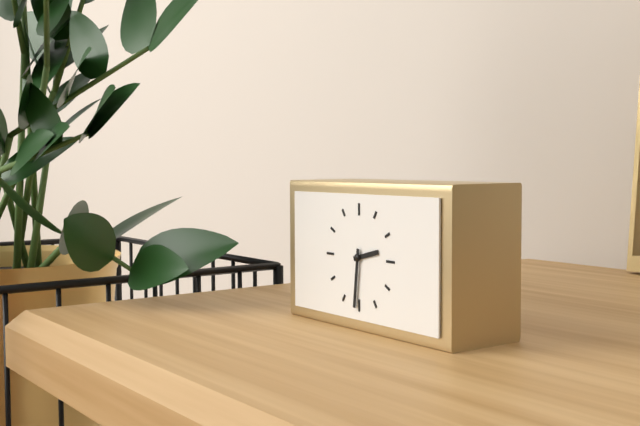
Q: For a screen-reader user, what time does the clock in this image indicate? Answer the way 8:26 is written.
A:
2:31
